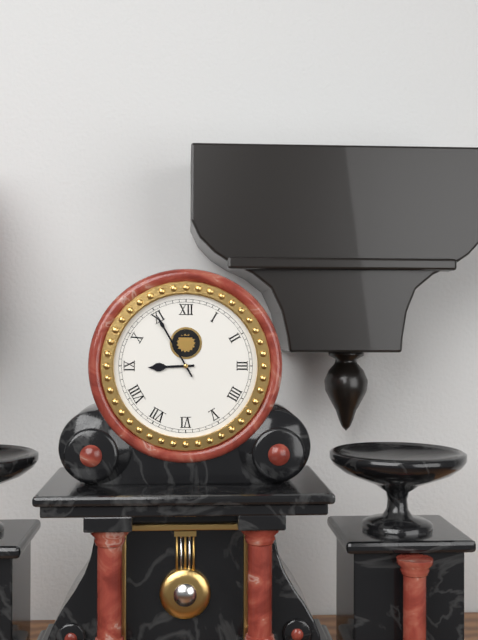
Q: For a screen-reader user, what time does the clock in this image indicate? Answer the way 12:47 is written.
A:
8:55
